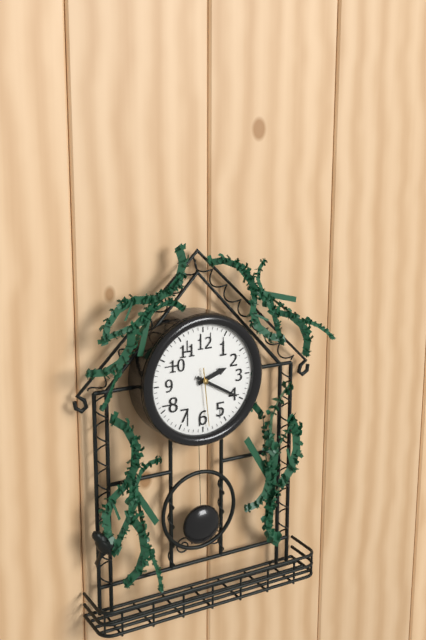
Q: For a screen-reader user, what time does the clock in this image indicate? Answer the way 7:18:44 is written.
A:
2:20:29
